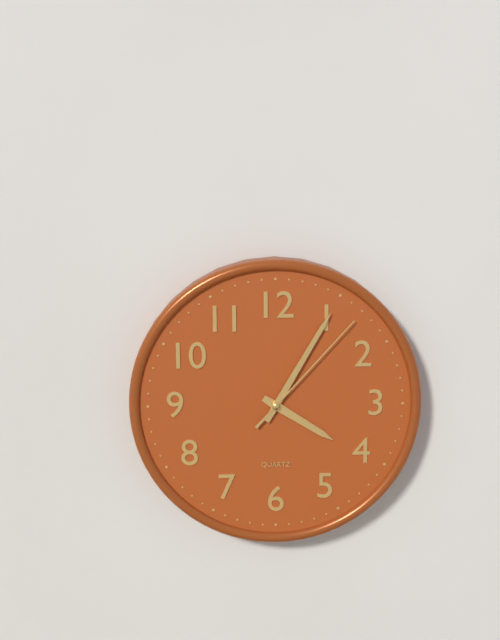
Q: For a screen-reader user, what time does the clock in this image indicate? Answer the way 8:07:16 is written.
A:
4:05:07
